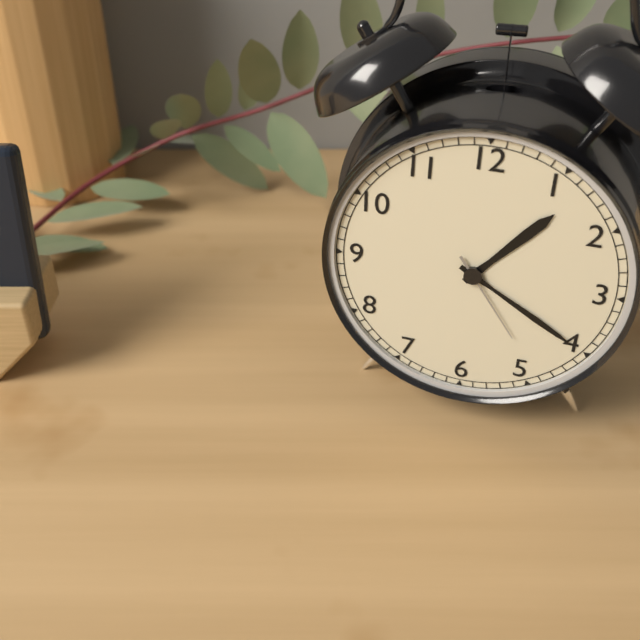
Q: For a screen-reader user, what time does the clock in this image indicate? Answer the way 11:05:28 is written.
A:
1:20:24
